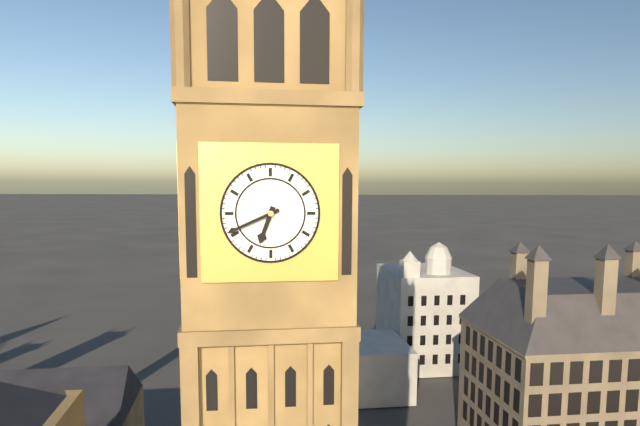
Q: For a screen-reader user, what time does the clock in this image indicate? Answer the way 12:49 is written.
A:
6:41
